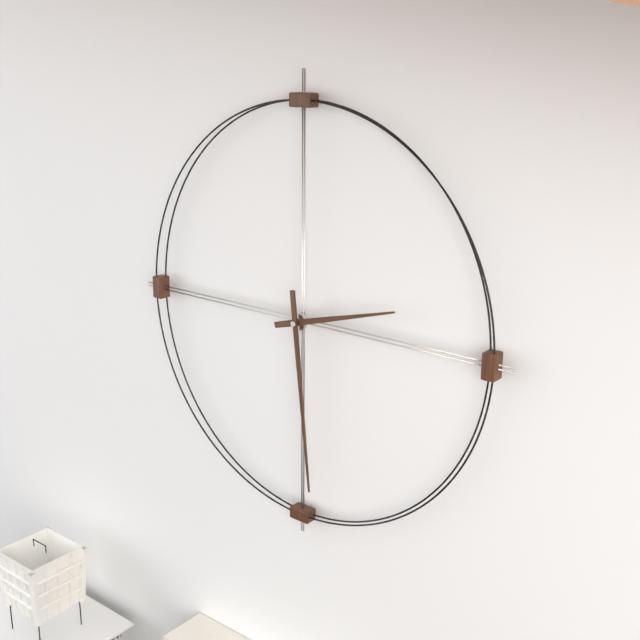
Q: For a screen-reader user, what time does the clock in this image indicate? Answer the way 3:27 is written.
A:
2:29
